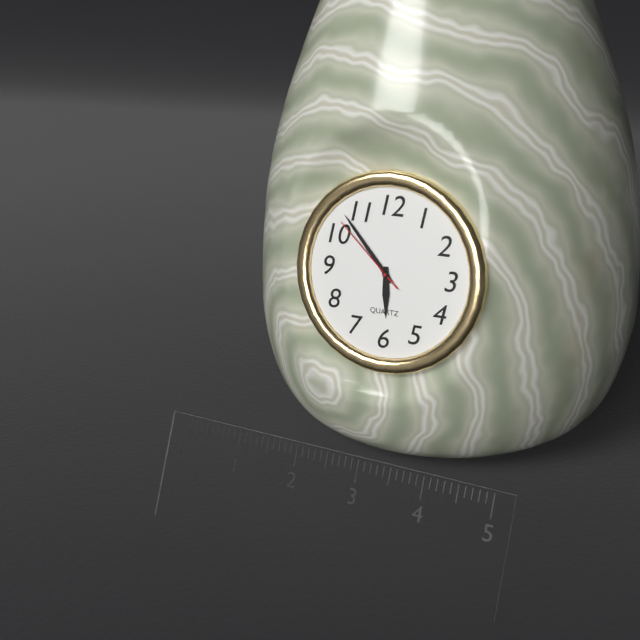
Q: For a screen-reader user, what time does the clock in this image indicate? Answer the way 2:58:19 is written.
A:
5:53:52
